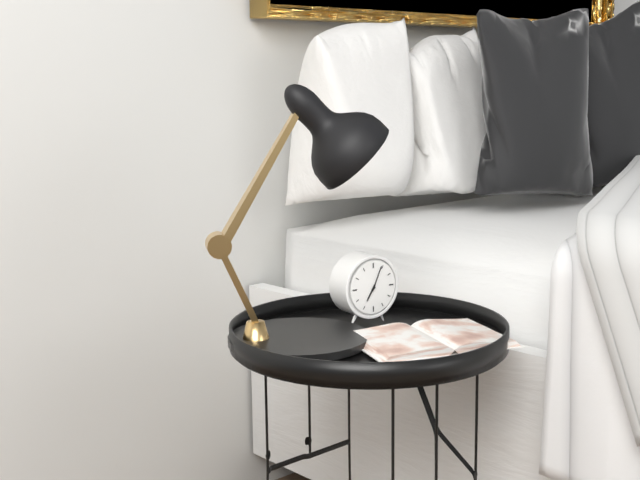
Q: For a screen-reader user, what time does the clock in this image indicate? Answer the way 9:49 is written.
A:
7:04
